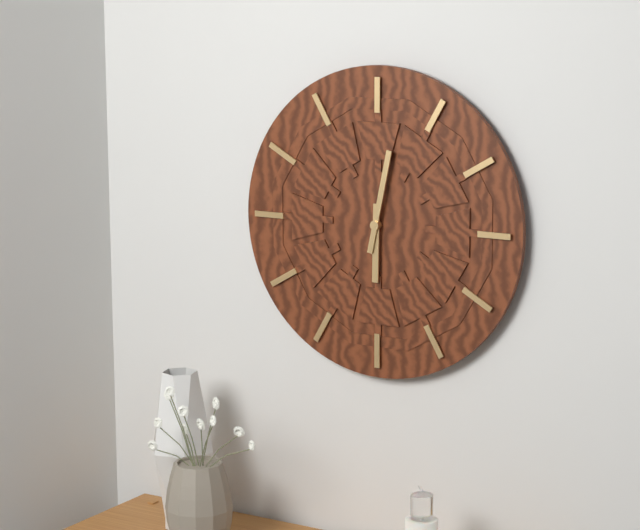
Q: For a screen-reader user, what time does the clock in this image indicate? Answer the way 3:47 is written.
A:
6:02
